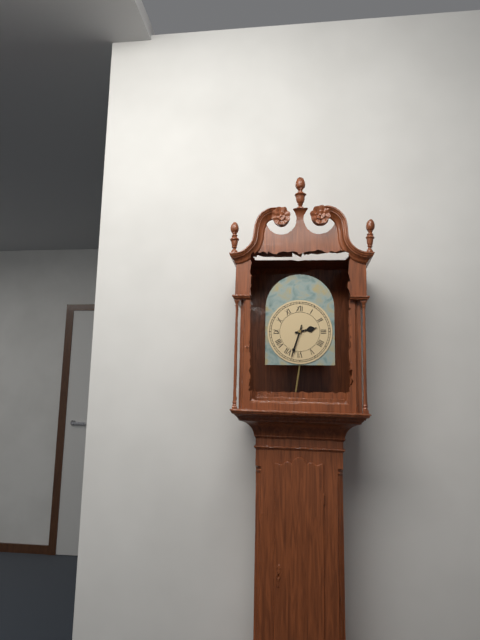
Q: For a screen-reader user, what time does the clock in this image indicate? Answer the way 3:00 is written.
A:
2:33
